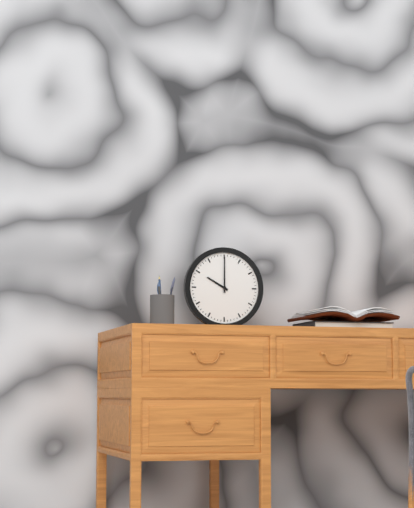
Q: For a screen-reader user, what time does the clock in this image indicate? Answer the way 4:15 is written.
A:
10:00
